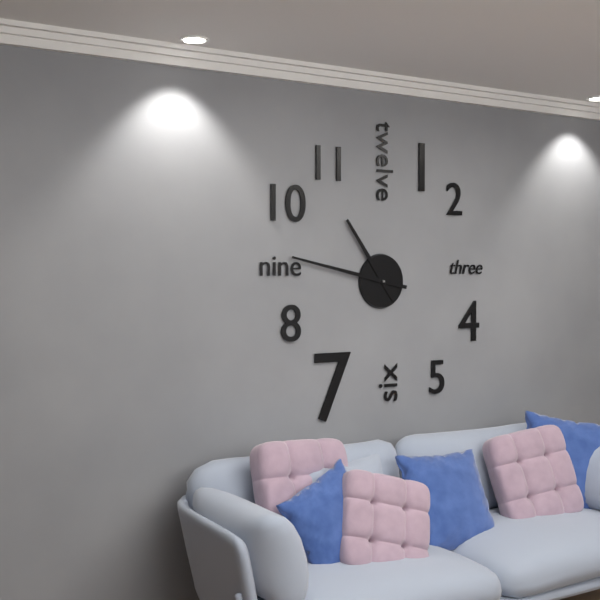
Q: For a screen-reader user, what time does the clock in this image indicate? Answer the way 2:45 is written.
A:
10:47
